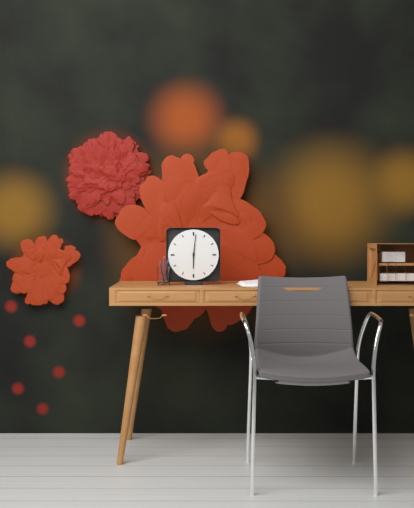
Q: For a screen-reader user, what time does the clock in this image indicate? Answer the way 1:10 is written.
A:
6:01
